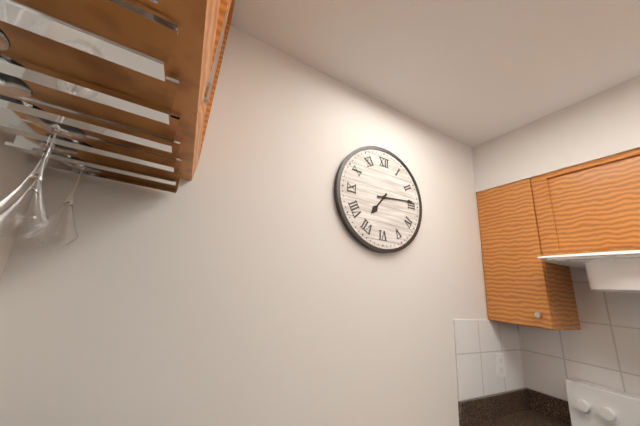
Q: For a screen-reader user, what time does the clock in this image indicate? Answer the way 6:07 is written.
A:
7:14
